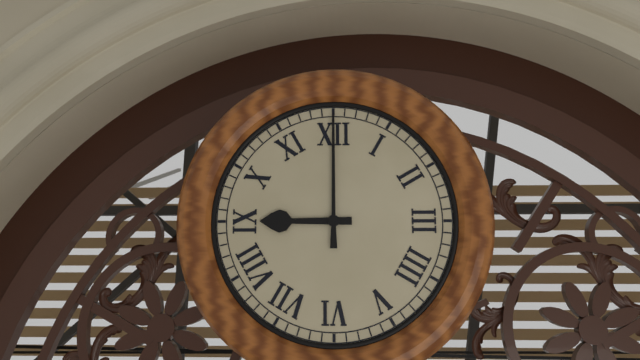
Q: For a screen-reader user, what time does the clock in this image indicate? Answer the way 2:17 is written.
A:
9:00
